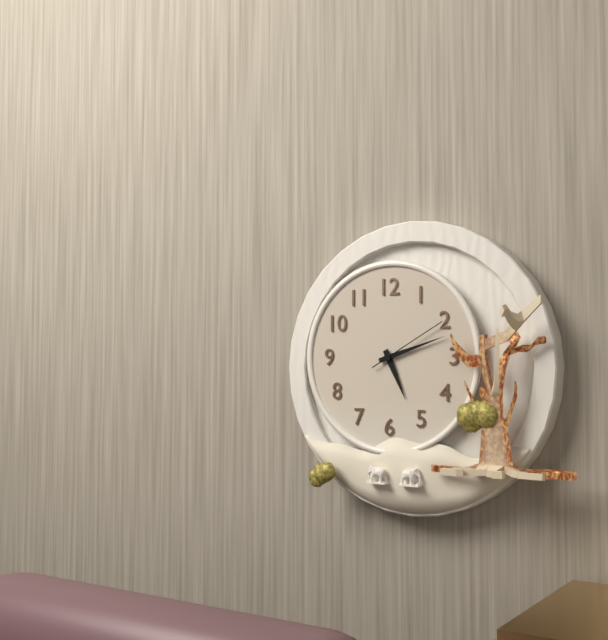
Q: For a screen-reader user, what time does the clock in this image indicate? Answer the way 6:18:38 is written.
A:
5:12:10
